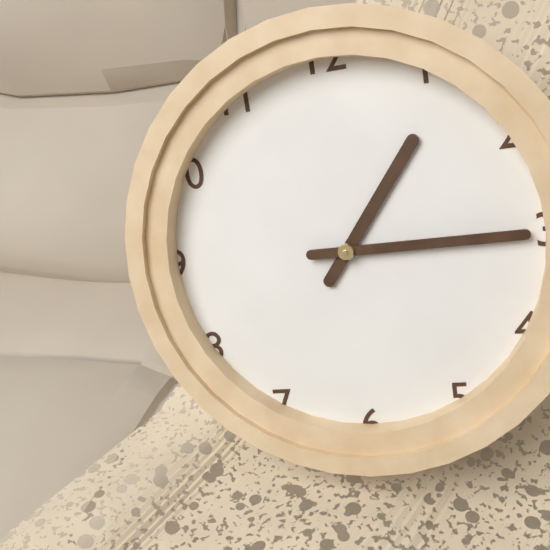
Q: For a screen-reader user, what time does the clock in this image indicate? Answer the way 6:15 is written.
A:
1:15
